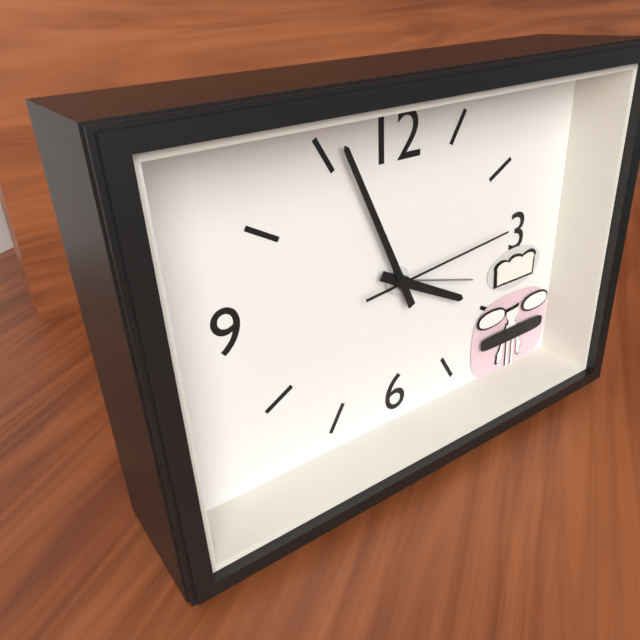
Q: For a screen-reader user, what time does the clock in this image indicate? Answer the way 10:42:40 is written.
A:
3:56:14
